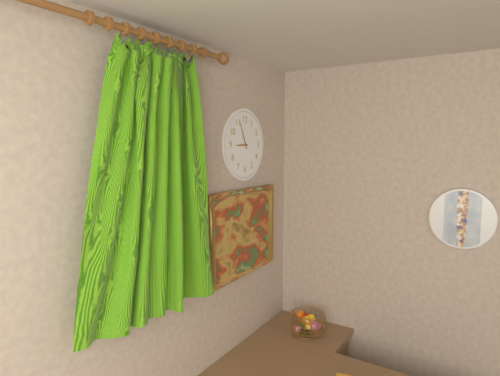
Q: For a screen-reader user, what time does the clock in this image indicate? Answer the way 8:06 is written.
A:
8:56
